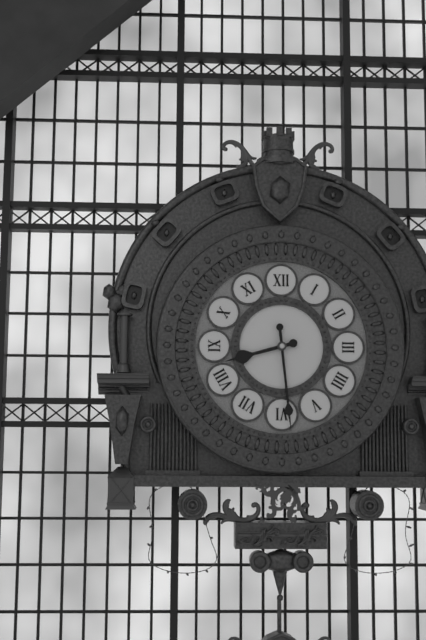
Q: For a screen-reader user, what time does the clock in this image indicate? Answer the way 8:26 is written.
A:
8:29
